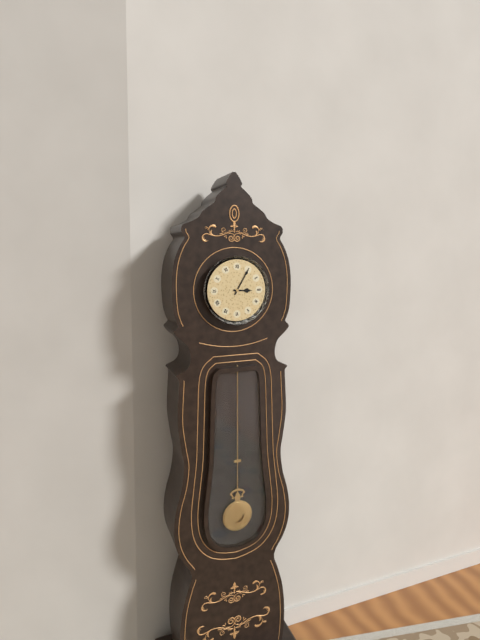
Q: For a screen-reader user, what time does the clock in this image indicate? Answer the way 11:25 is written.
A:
3:05
